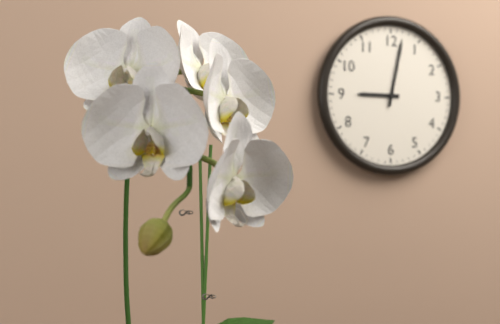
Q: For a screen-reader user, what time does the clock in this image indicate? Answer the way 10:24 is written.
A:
9:02
